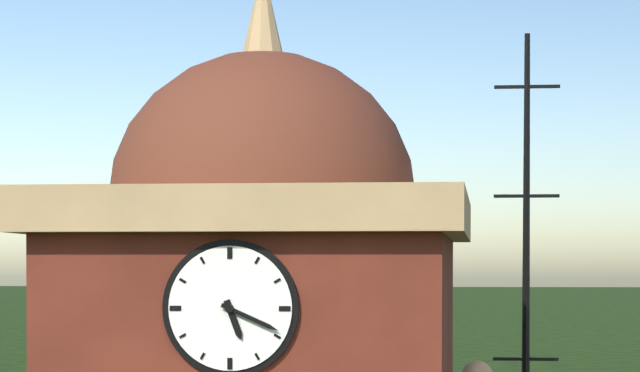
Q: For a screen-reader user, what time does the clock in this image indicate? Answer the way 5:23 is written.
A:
5:19
